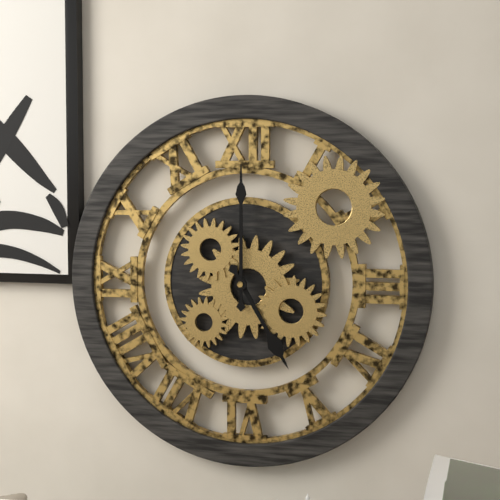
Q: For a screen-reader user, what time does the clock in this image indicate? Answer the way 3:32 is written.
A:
5:00
